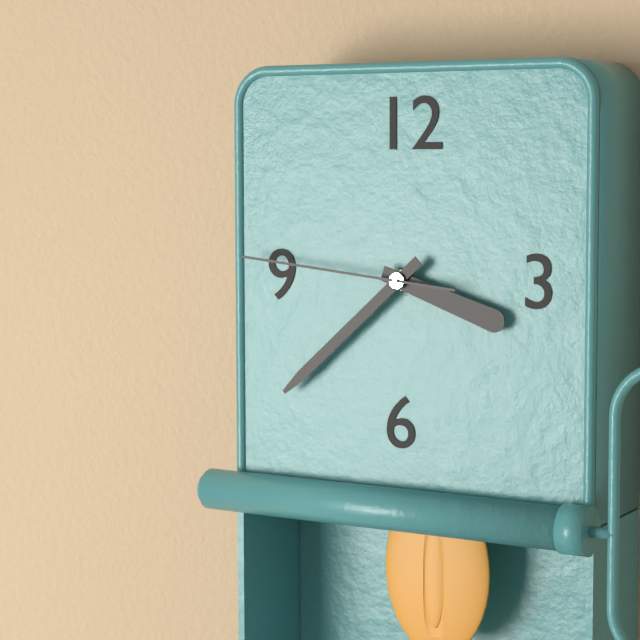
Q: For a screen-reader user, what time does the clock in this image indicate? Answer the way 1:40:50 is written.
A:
3:38:46
